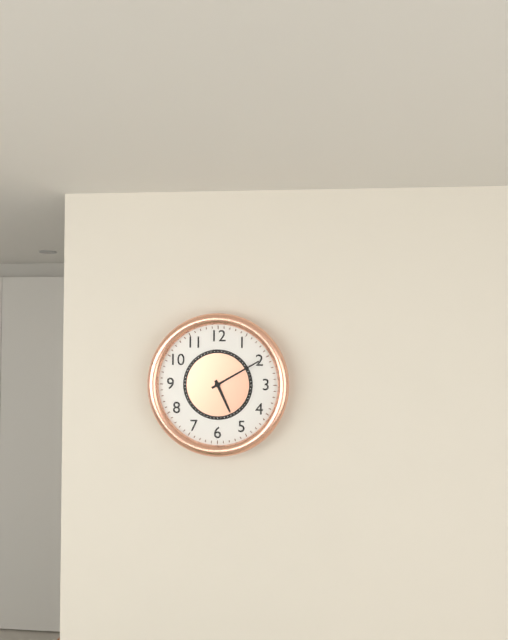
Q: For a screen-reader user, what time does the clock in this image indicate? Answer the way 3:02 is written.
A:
5:10
